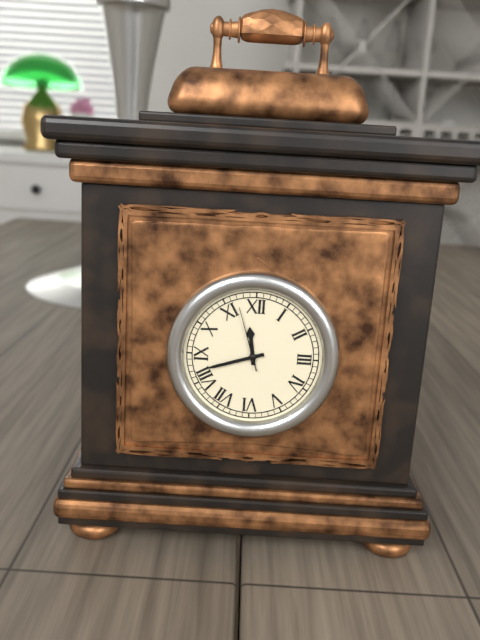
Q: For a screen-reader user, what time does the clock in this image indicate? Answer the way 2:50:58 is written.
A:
11:42:57
